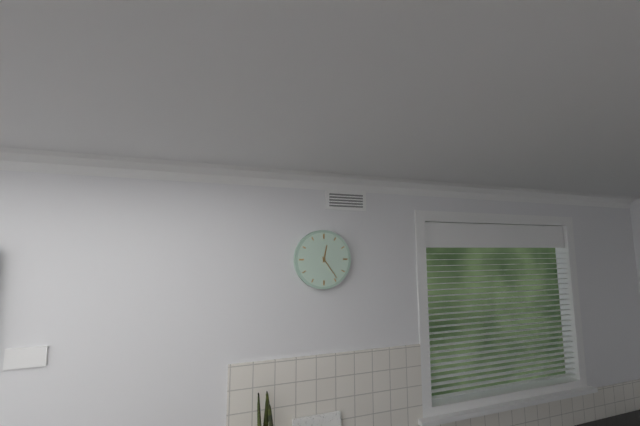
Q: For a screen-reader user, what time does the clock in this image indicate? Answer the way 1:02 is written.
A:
12:24
